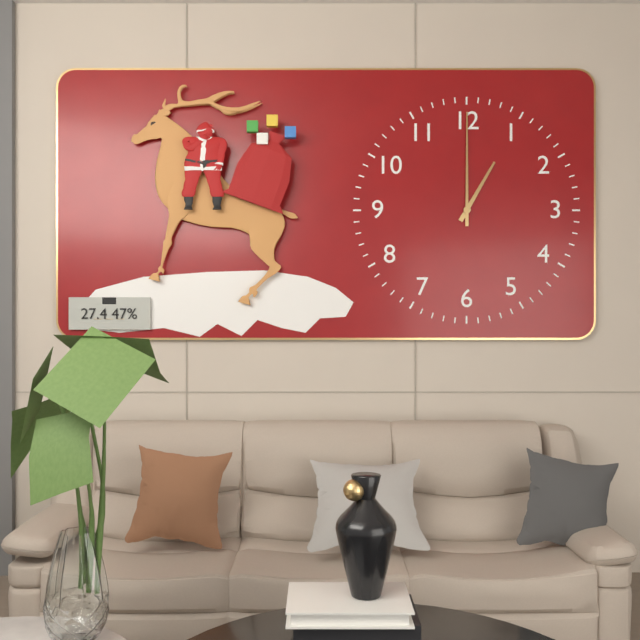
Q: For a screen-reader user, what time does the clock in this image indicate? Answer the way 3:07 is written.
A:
1:00
